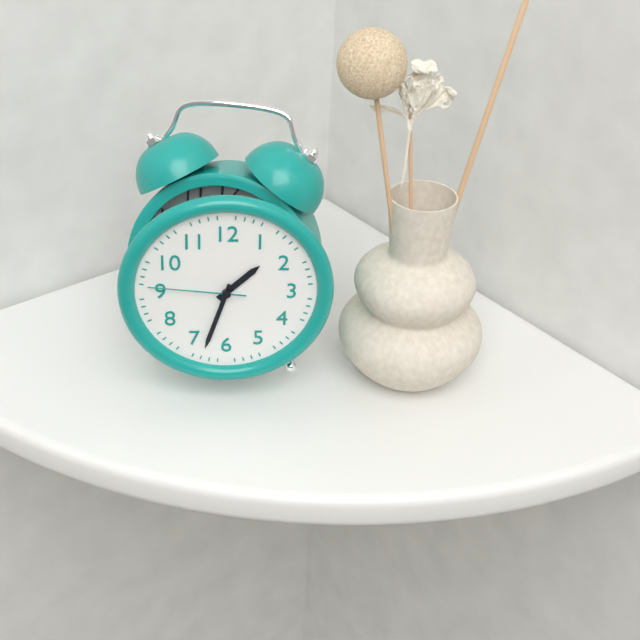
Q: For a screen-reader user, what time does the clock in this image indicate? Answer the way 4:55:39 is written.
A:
1:33:46
